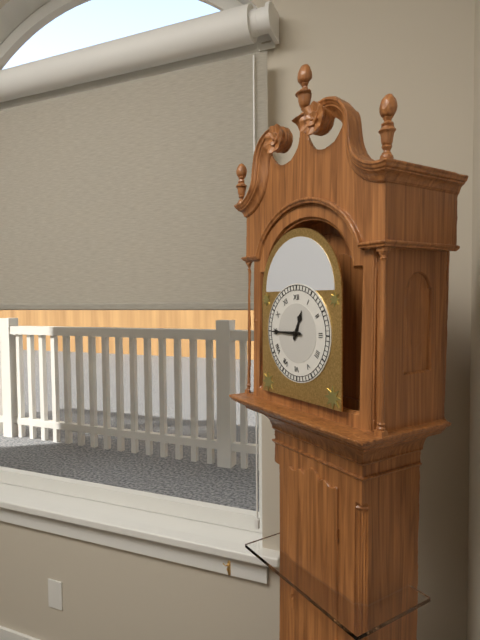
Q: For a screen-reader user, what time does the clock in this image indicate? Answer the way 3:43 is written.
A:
12:45
